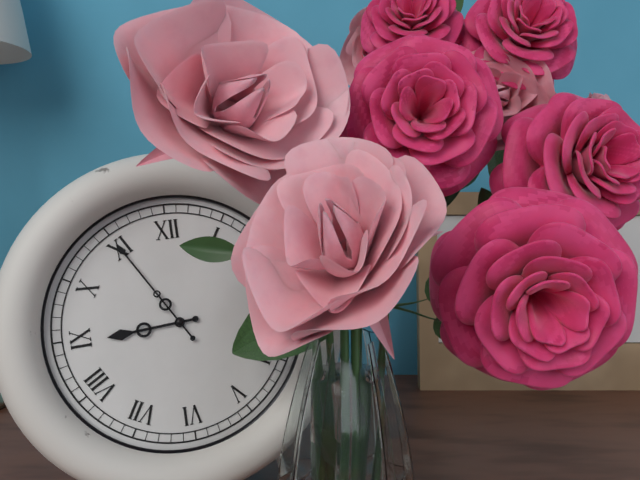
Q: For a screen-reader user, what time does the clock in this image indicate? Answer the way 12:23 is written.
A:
8:55
